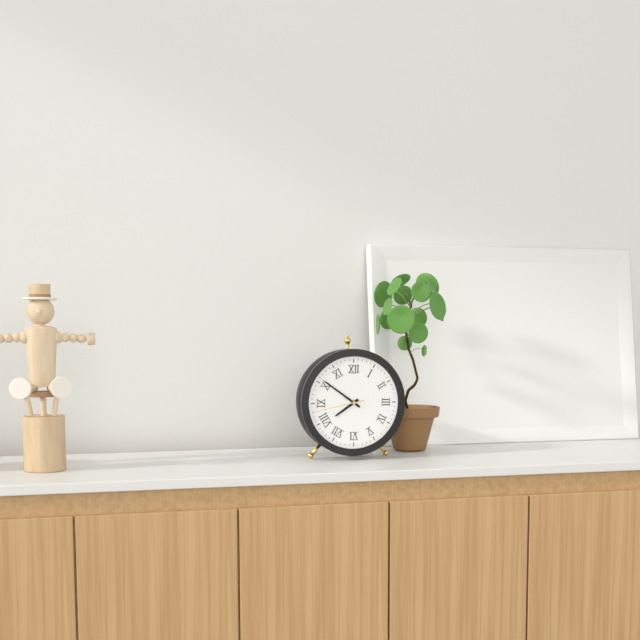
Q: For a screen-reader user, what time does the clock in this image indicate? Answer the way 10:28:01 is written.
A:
7:51:43
